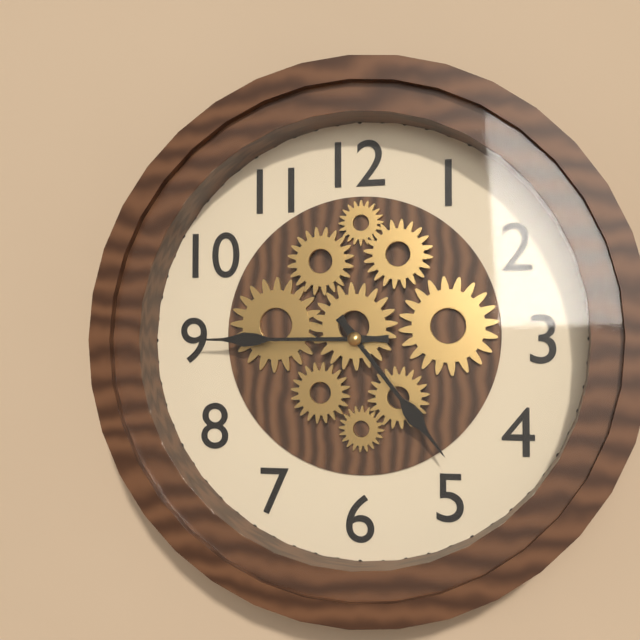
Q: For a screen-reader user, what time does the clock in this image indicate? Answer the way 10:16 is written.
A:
4:45
